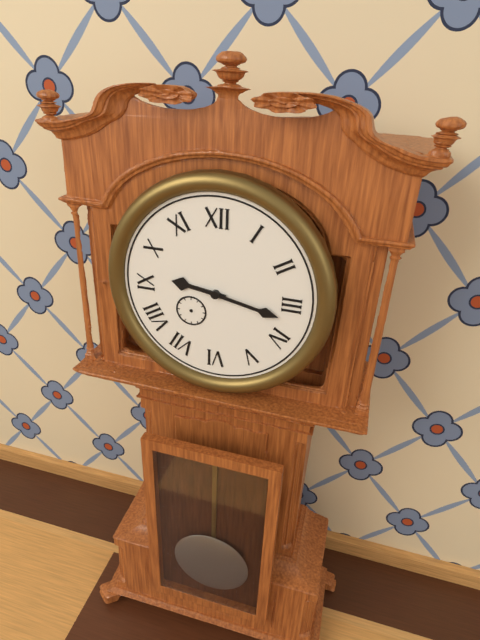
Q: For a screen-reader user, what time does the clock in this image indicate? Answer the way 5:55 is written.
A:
9:17
